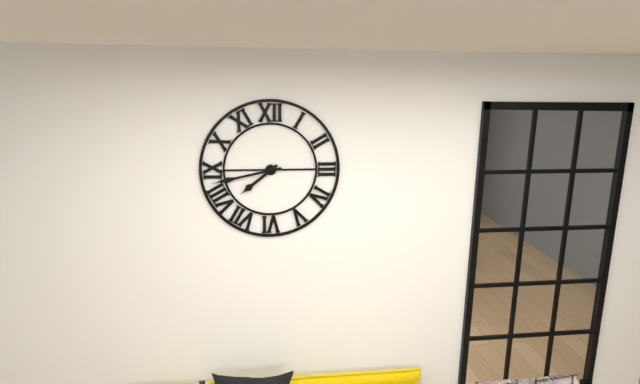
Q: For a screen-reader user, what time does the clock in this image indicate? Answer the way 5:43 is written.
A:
7:43
